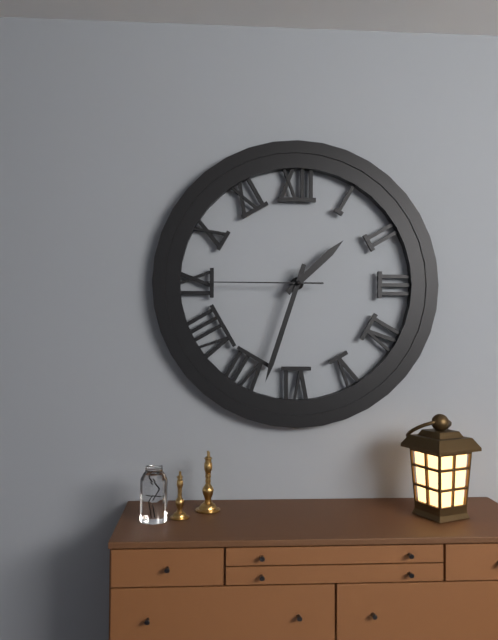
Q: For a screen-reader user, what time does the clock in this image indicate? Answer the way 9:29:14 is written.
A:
1:33:45
